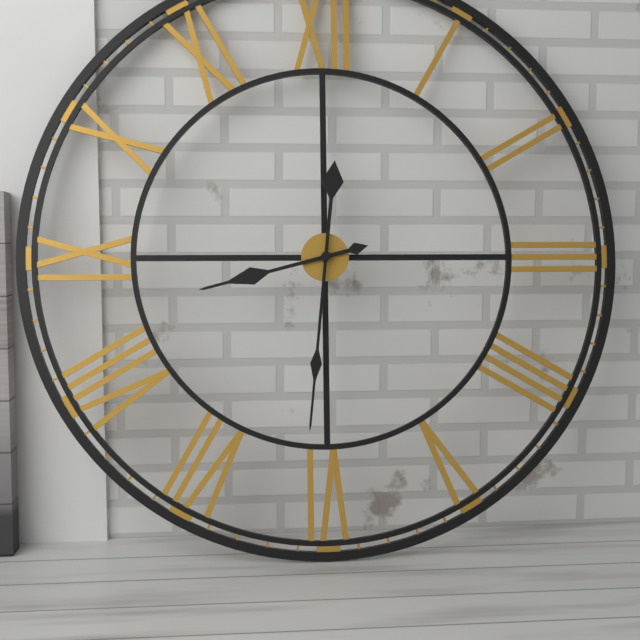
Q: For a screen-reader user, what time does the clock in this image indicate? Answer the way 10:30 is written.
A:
8:31
